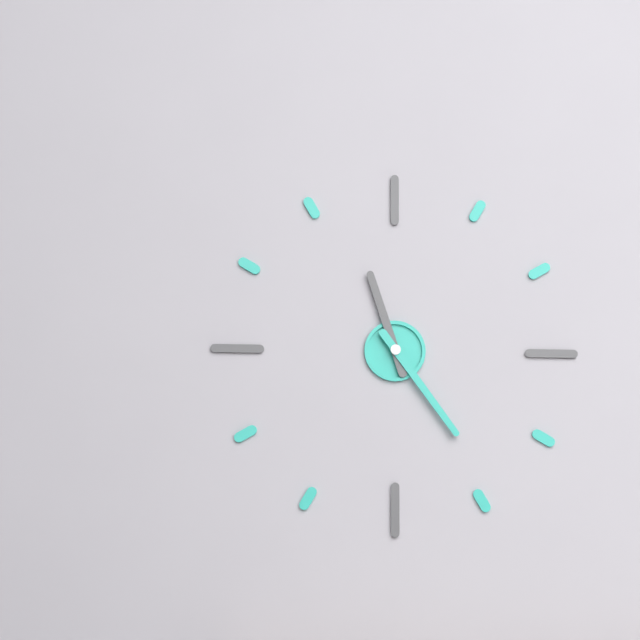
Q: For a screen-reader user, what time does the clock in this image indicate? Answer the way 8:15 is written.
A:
11:24
